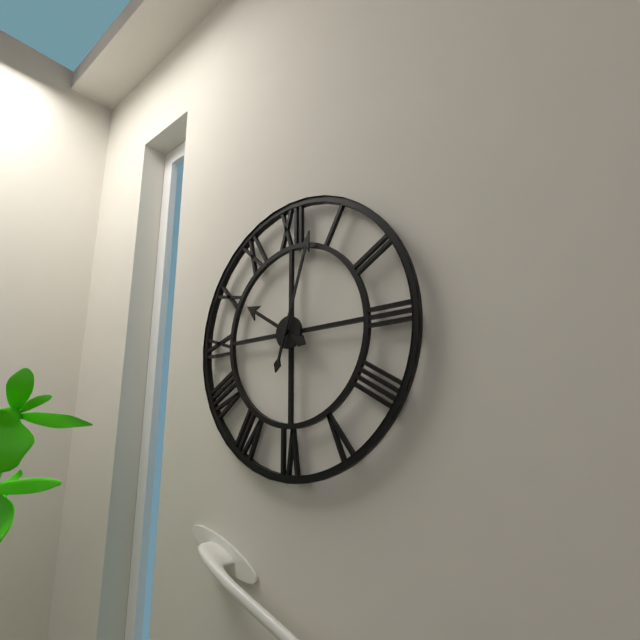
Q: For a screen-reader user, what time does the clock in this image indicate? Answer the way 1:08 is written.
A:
10:03
